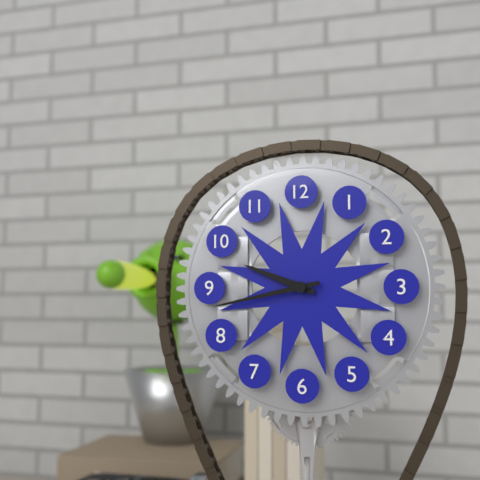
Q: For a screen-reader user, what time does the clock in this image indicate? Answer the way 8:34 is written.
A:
9:43
